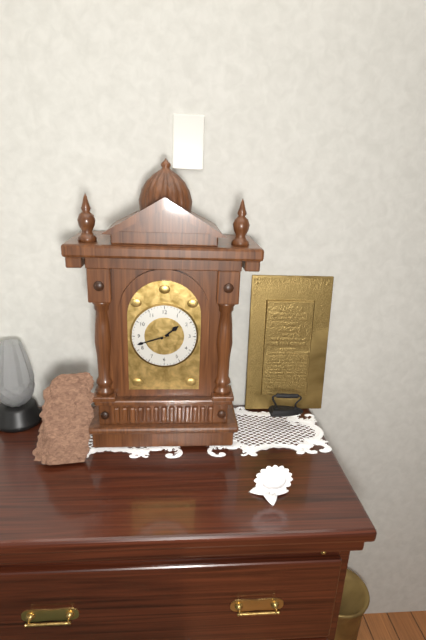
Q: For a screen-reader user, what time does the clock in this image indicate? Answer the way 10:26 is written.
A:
1:42
